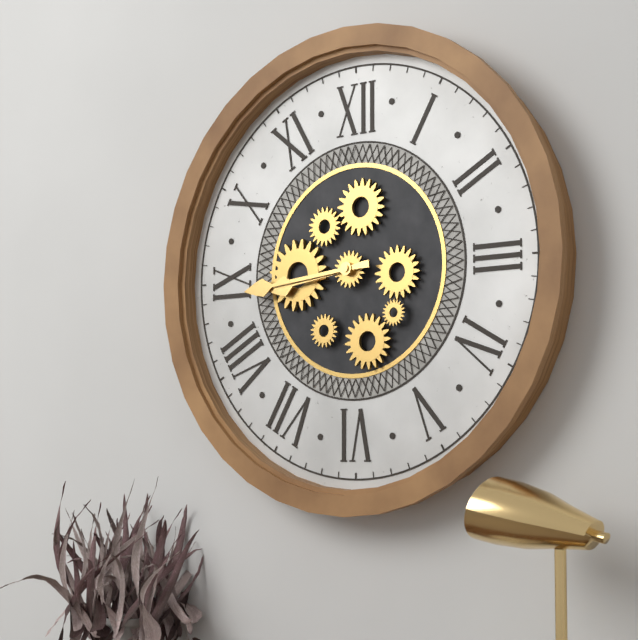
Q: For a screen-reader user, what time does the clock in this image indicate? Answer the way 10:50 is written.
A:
8:44
